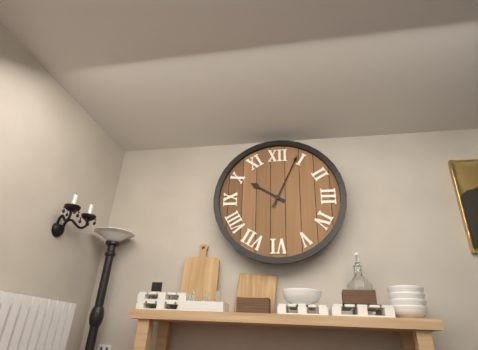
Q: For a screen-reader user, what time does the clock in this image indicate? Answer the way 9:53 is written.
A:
10:04
